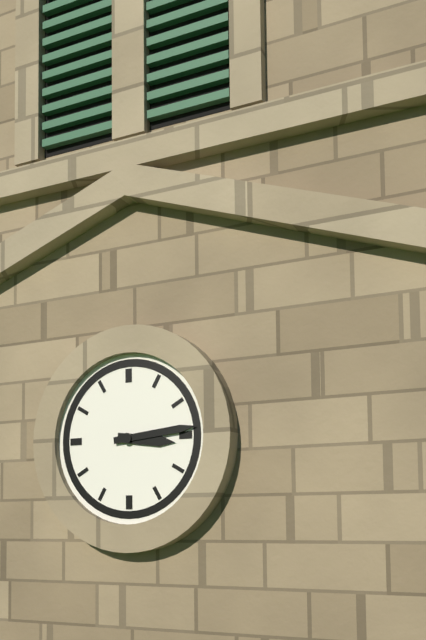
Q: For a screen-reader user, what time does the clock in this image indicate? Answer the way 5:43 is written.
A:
3:14
